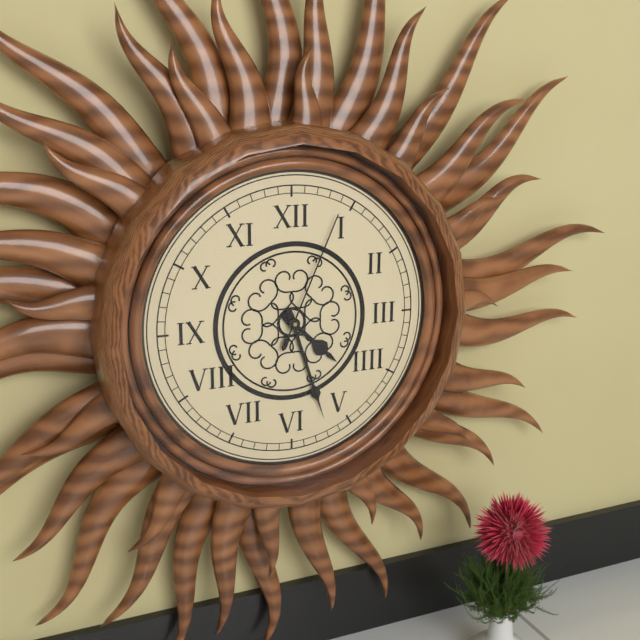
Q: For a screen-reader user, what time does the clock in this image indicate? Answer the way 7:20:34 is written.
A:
4:27:04
